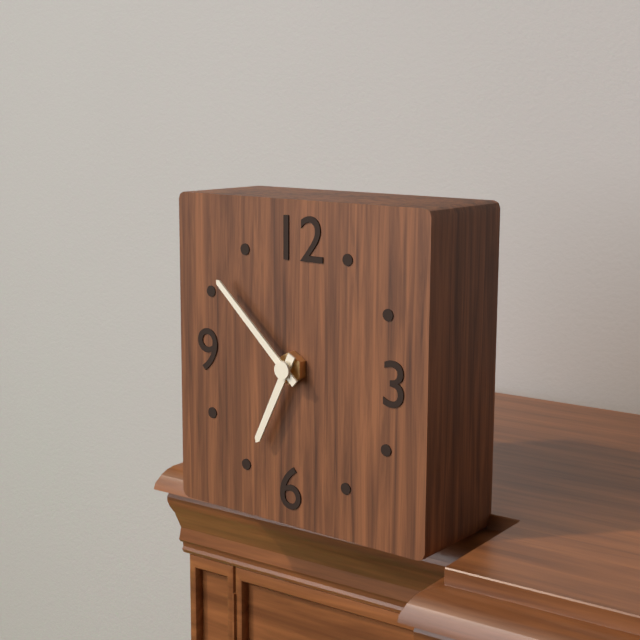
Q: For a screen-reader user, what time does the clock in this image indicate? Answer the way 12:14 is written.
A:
6:52
